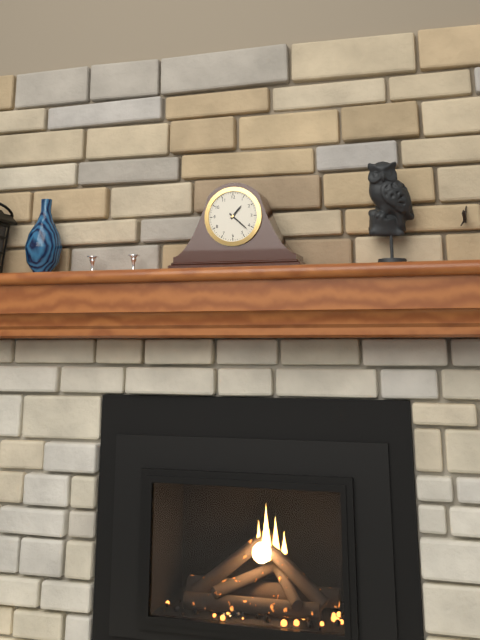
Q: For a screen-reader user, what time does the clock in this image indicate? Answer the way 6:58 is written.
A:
1:22
